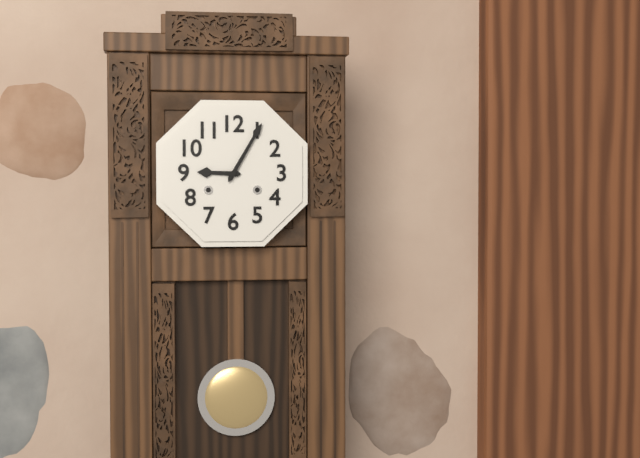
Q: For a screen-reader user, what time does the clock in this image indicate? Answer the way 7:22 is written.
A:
9:05
